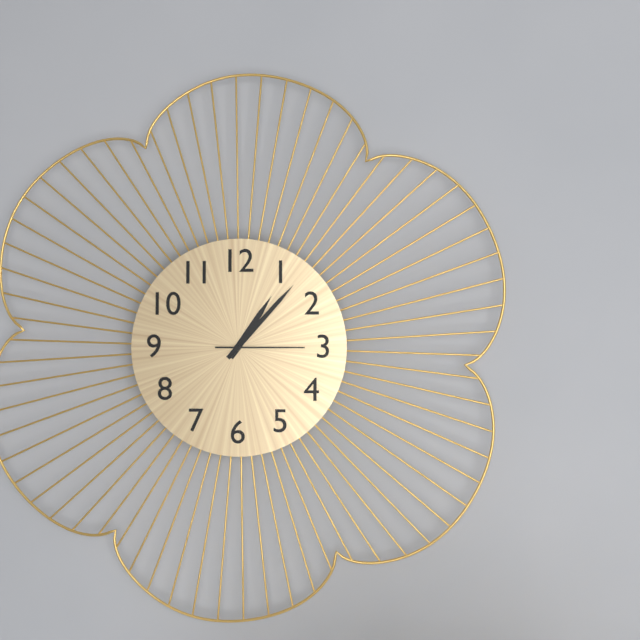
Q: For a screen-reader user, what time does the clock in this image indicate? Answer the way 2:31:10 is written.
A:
1:07:15
